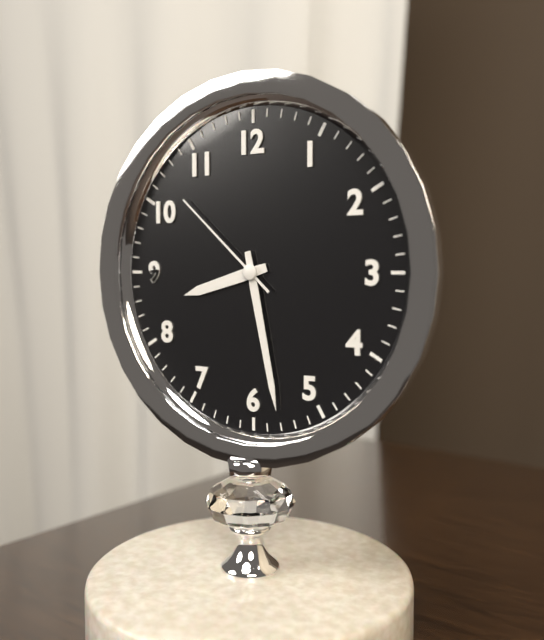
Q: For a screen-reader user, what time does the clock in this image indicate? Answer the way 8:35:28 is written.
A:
8:28:52
